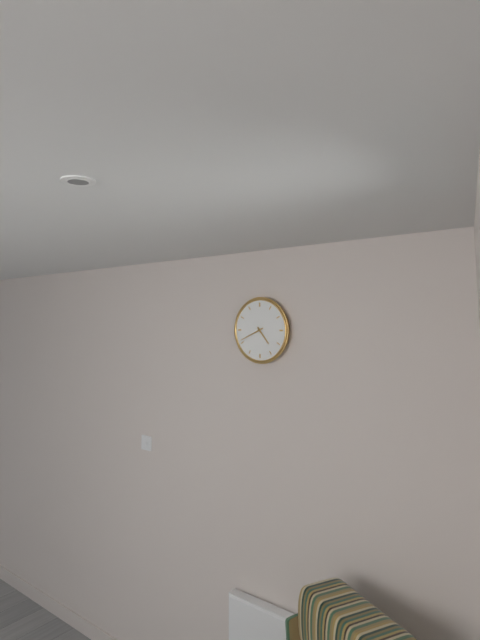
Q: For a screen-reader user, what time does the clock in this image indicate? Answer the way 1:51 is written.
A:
4:41
